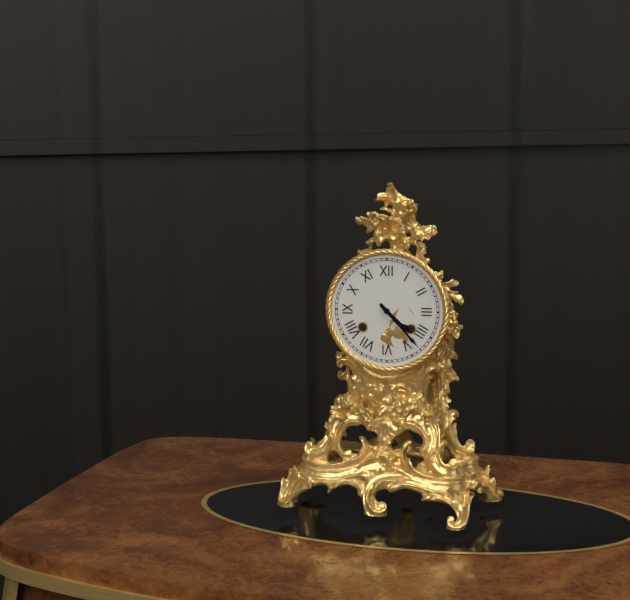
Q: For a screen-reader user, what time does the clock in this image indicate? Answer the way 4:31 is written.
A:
4:23
